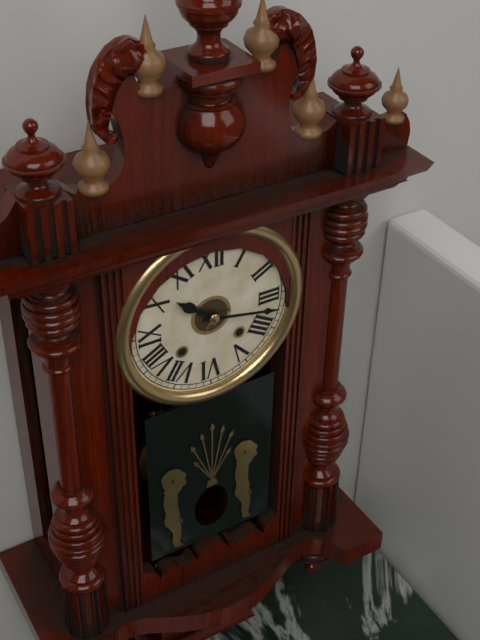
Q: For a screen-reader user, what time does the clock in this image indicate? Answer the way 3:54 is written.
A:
10:17
